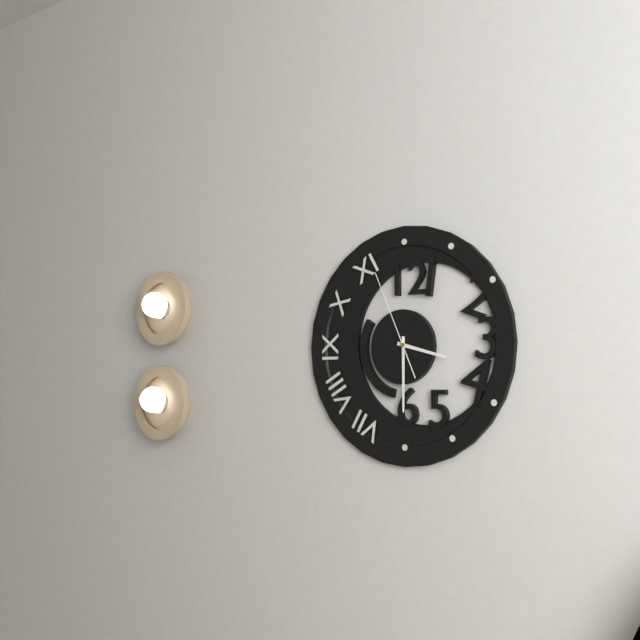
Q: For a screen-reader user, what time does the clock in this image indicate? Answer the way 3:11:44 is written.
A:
3:30:56
